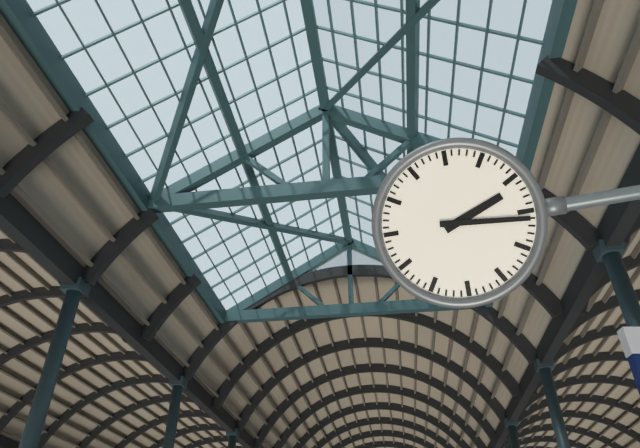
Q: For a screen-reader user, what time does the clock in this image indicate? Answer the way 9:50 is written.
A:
2:16
